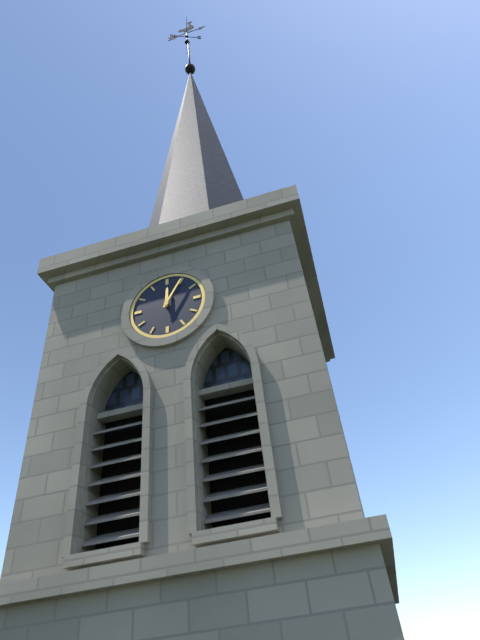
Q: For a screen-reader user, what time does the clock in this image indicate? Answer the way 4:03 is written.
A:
12:05
